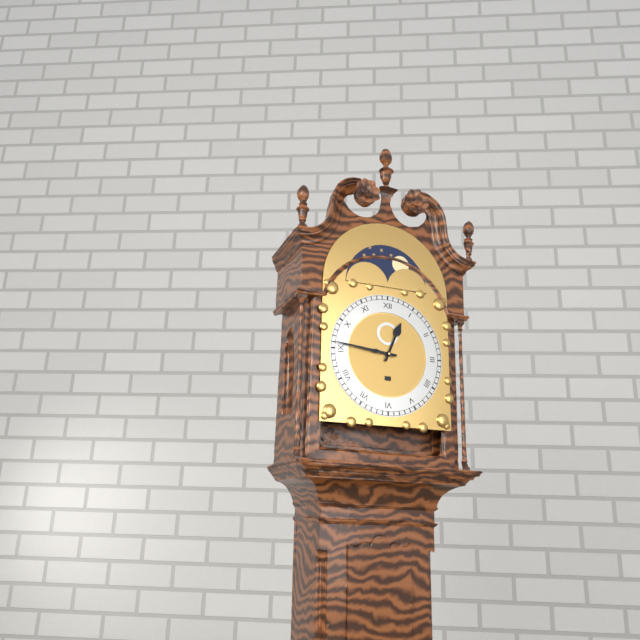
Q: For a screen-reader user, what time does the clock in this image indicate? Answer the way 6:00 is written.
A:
12:46
